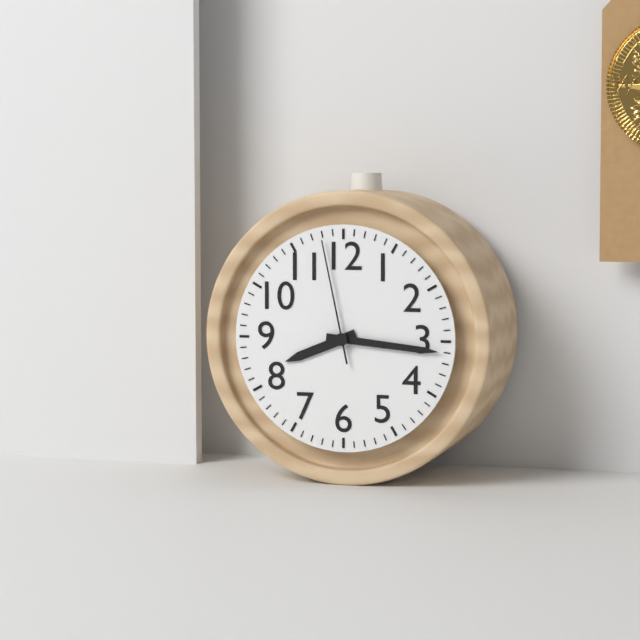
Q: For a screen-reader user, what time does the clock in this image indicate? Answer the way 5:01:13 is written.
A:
8:16:58
